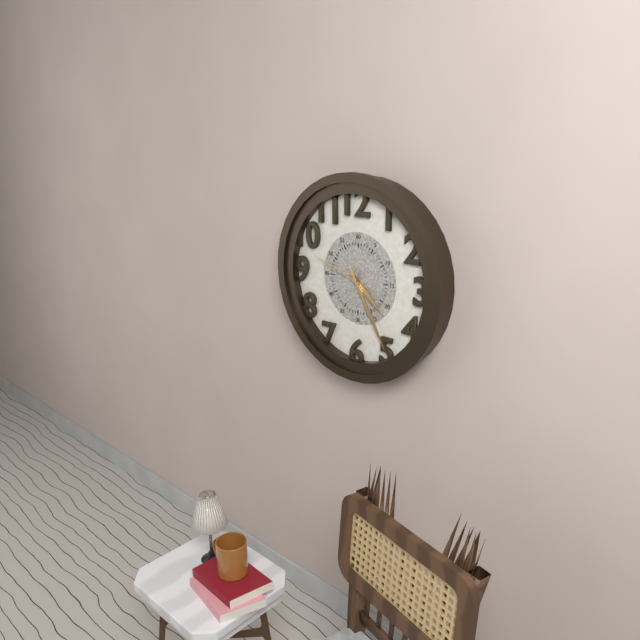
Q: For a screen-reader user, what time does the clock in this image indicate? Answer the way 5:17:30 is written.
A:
4:25:48
